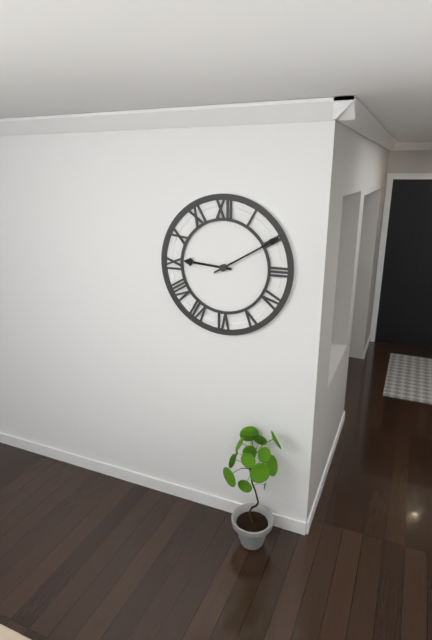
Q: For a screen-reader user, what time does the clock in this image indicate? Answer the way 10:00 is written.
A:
9:10
